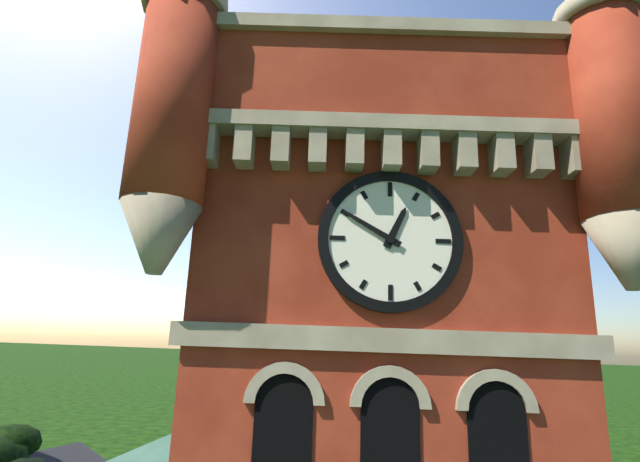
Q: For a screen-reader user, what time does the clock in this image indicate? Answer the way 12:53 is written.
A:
12:50
